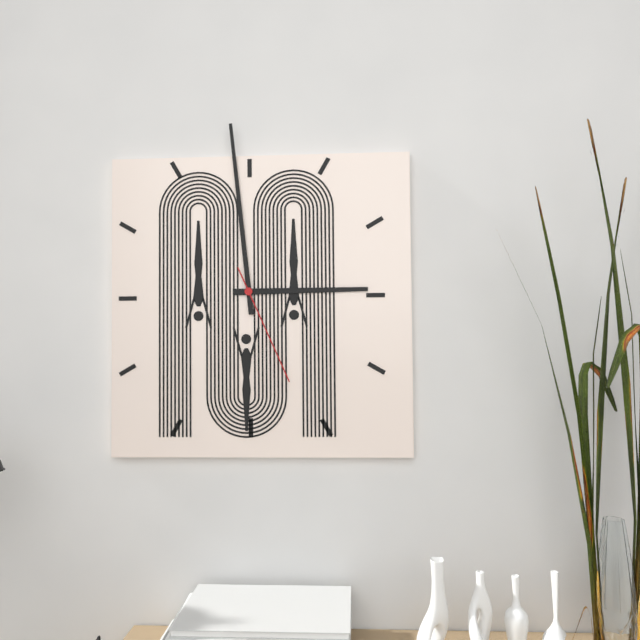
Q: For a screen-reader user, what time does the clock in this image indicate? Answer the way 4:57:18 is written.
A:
2:59:26
